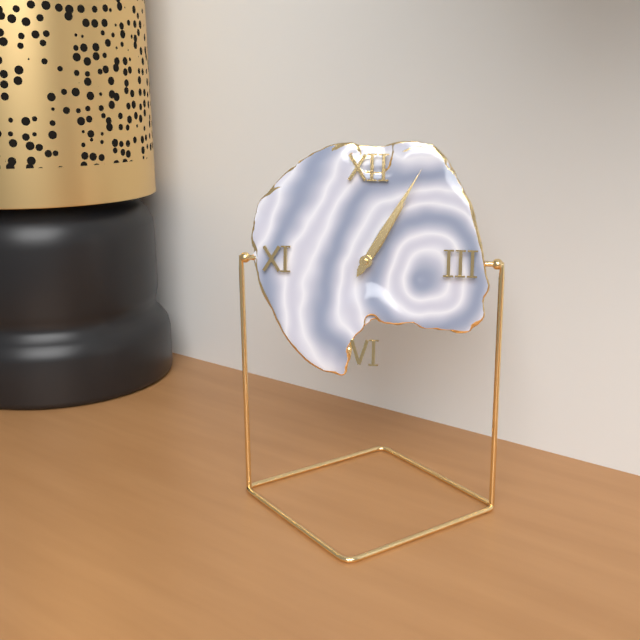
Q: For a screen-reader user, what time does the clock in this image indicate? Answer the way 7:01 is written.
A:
1:05
